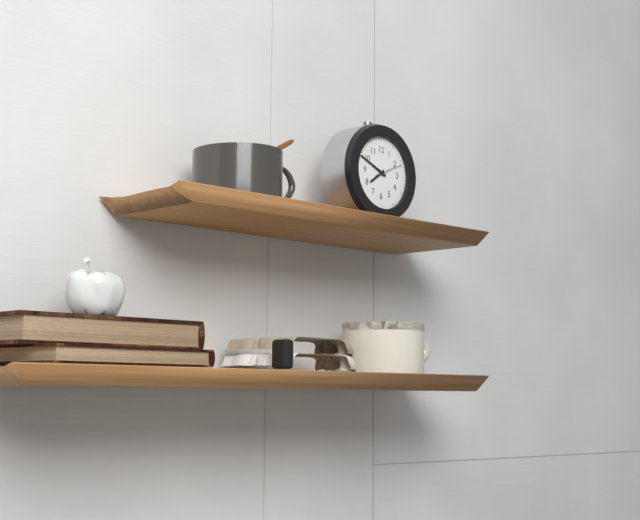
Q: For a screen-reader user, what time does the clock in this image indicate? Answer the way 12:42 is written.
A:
7:49
